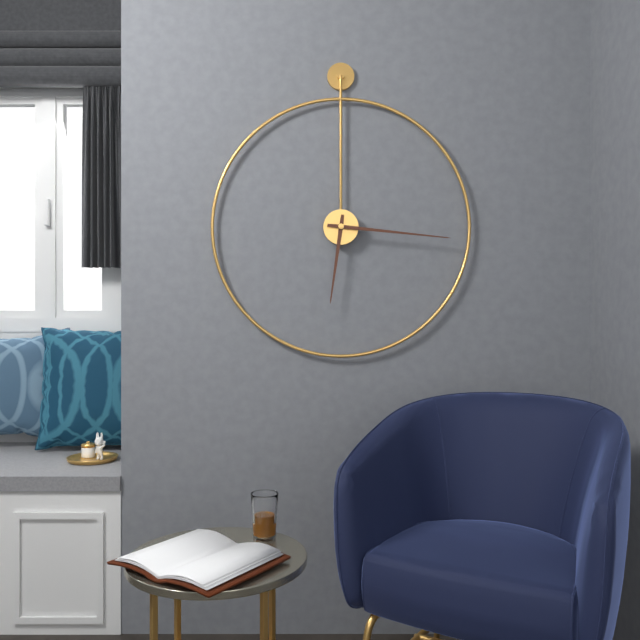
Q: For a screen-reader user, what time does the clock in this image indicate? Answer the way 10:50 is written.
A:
6:16
